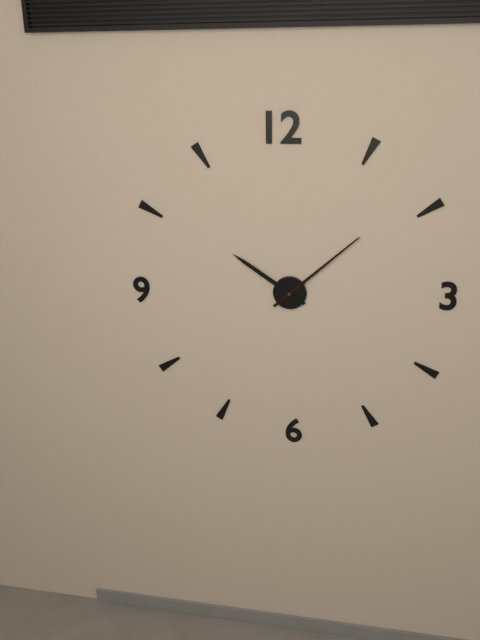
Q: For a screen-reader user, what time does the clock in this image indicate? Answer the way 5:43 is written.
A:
10:08
